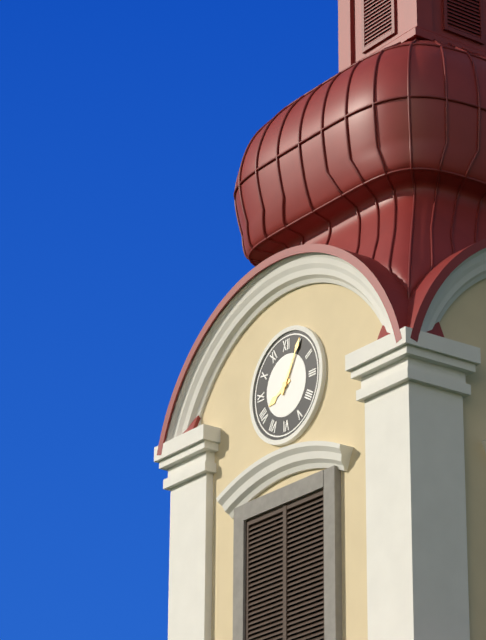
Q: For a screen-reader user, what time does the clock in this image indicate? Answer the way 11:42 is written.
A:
8:05
